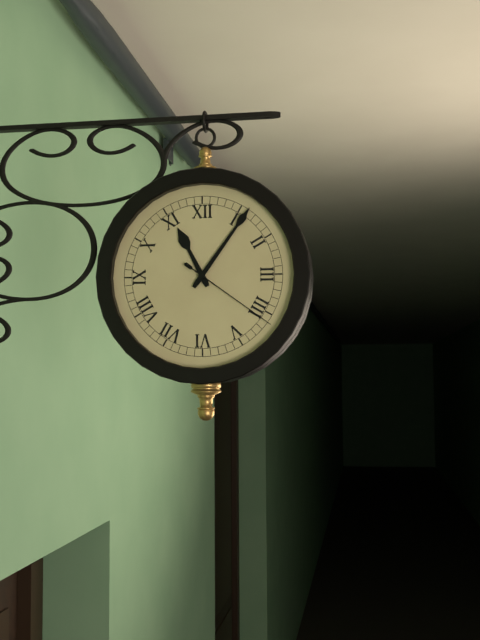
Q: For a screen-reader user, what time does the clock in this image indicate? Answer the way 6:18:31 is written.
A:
11:06:21
